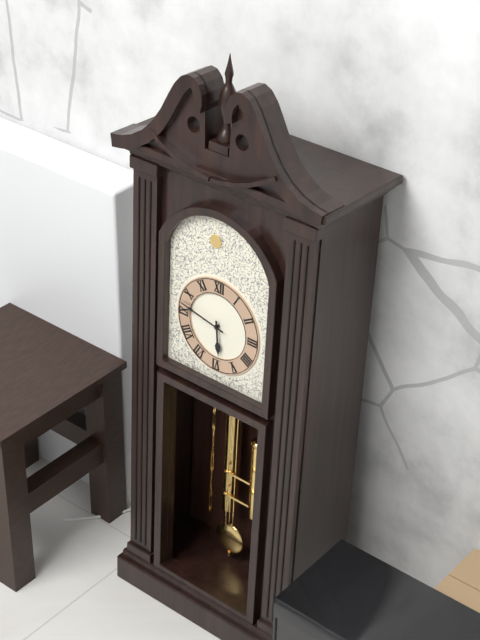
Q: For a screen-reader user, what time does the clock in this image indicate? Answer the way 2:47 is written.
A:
5:47
